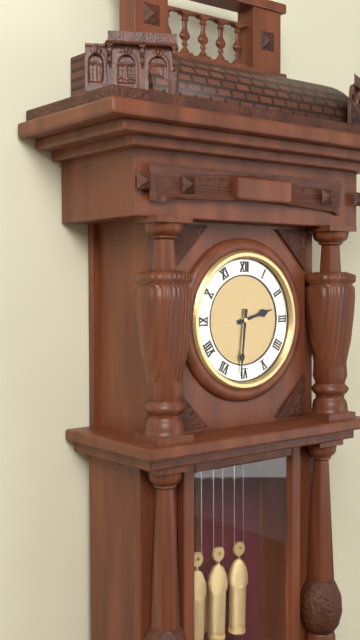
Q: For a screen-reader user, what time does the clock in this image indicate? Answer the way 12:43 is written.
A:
2:31
